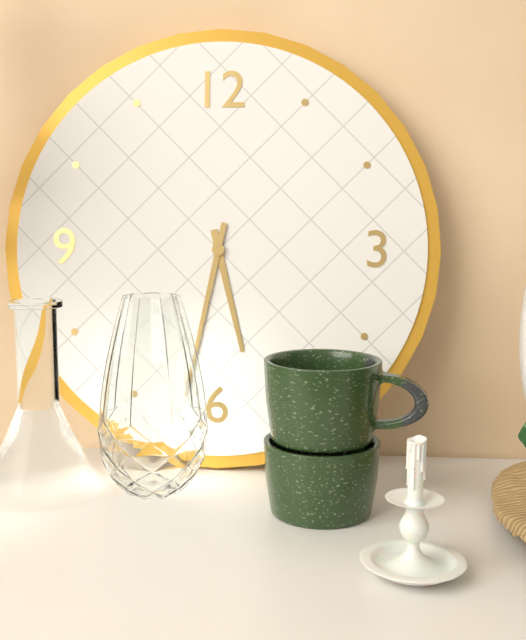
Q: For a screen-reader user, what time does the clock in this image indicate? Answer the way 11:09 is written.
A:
5:32
